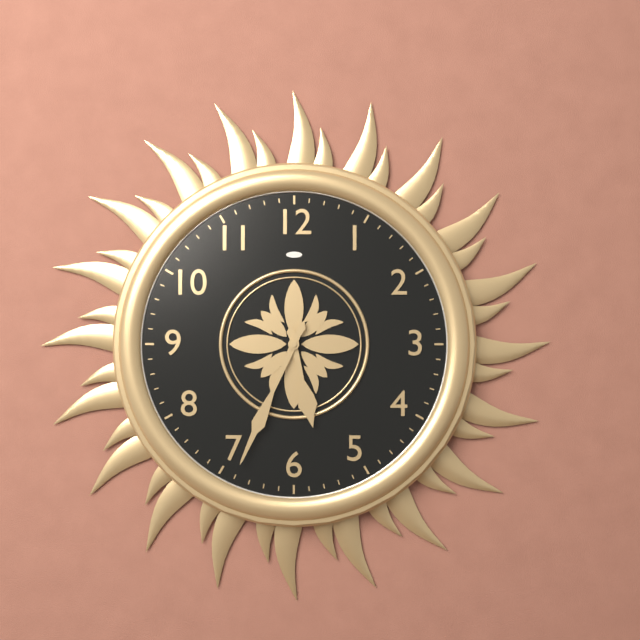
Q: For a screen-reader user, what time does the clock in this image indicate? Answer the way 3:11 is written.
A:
5:34
